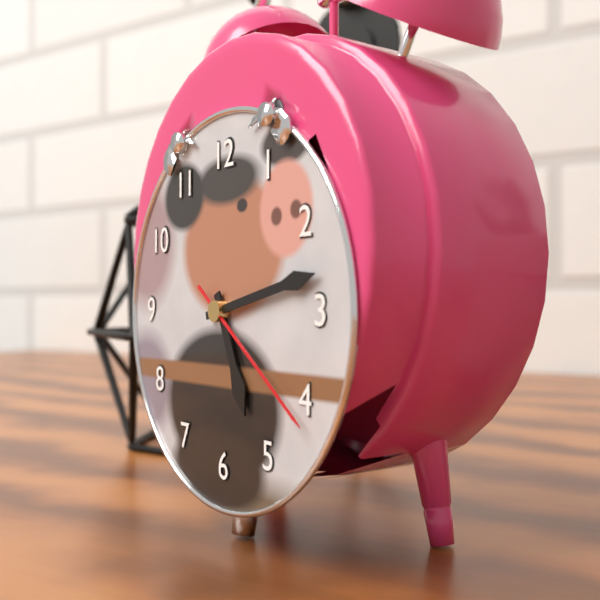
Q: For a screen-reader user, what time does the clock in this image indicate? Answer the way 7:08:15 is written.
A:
5:13:21
